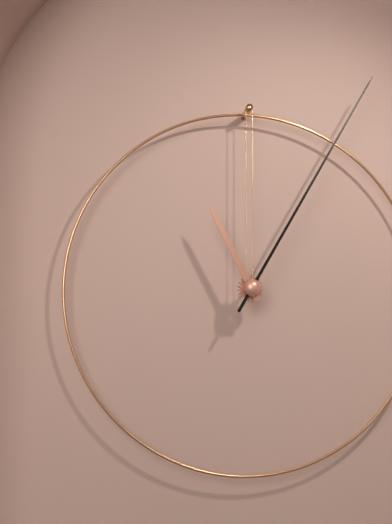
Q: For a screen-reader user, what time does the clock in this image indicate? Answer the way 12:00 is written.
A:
11:05
